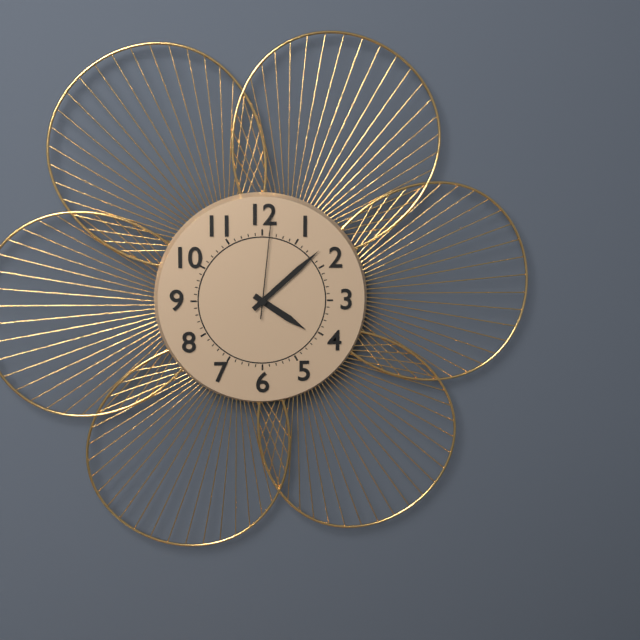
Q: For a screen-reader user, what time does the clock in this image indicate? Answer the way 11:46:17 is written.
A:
4:08:01
